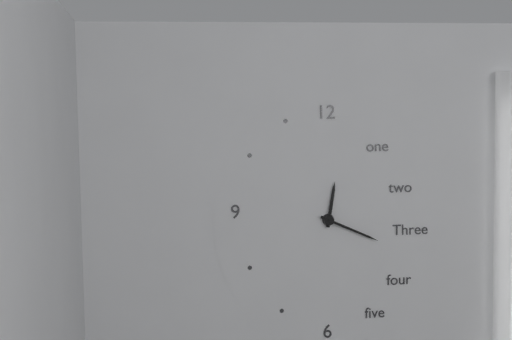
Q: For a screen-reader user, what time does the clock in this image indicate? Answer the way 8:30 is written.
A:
12:19
